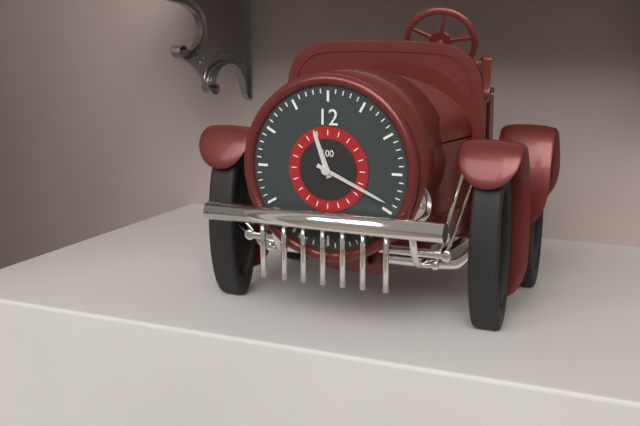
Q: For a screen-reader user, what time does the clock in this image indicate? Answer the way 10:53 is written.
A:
11:19
